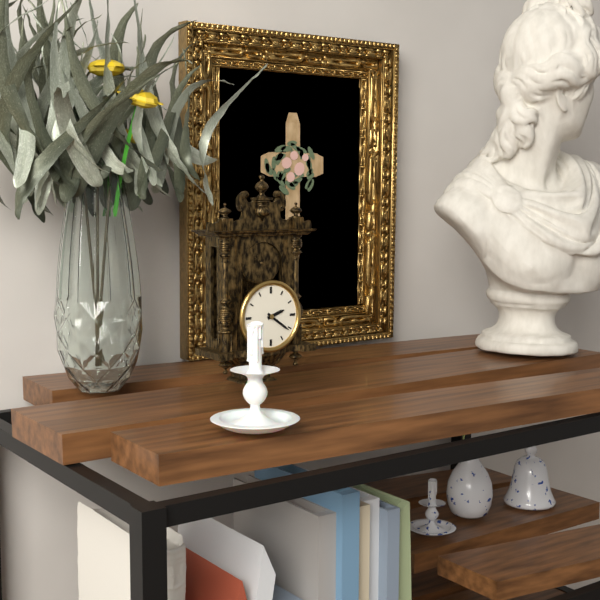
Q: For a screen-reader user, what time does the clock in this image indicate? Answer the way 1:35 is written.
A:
2:21
